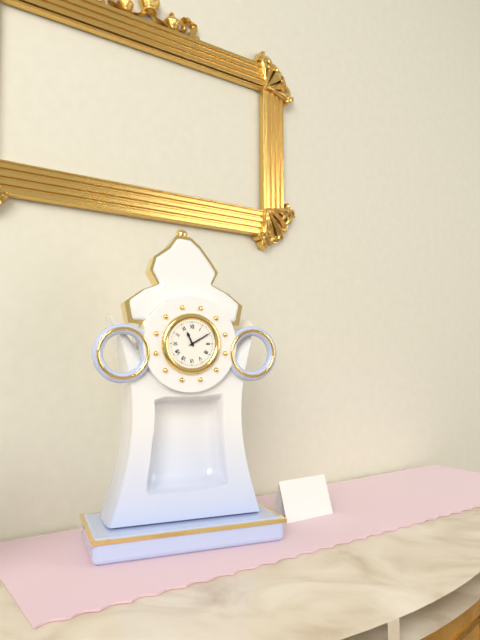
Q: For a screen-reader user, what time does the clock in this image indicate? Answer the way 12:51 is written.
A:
11:10
